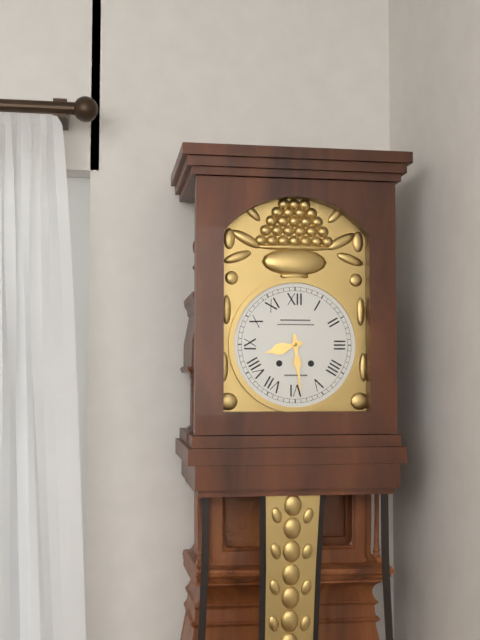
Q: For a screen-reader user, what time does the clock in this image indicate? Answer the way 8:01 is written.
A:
8:29
